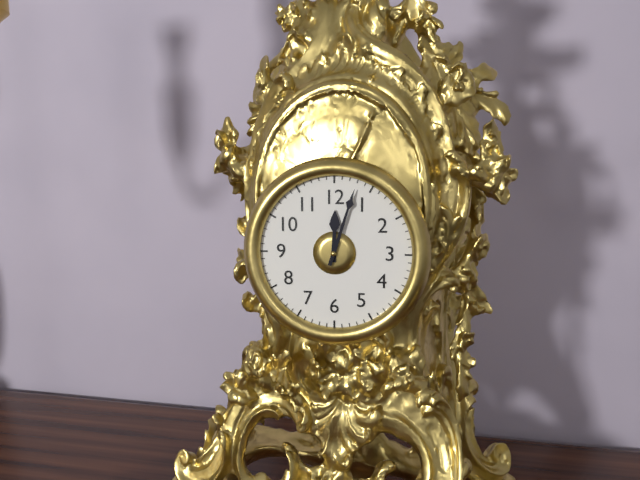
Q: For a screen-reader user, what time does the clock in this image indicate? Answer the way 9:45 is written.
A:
12:03
